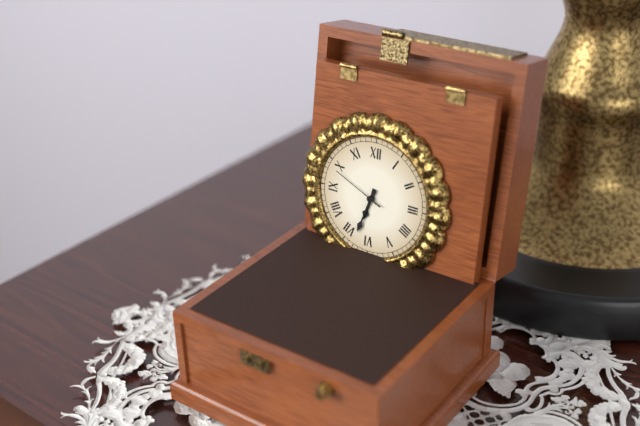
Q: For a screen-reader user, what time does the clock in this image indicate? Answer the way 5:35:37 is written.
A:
6:33:49
